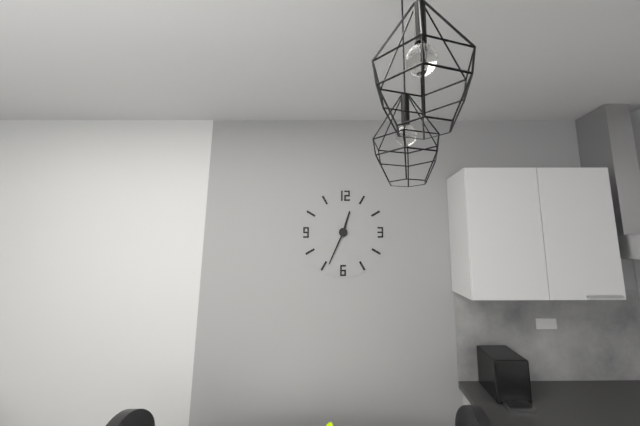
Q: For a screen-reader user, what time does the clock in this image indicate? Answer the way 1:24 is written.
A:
12:34
